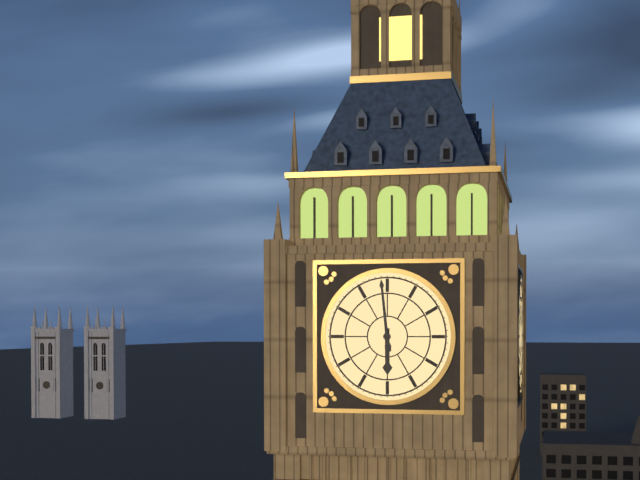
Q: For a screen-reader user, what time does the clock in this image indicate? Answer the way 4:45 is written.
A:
5:59
